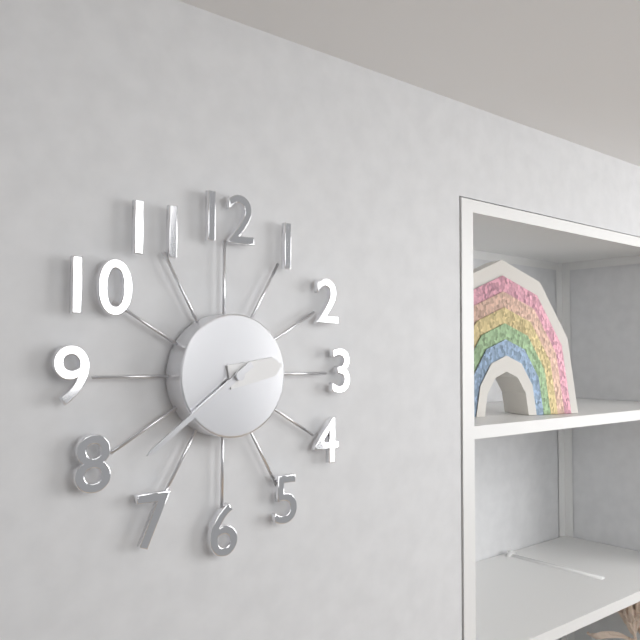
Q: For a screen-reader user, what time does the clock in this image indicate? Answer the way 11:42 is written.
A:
2:39
